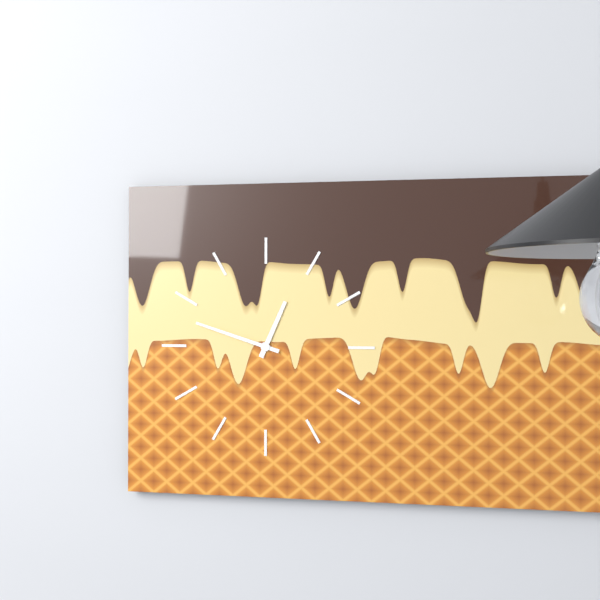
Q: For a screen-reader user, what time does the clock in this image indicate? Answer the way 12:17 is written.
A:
12:48
